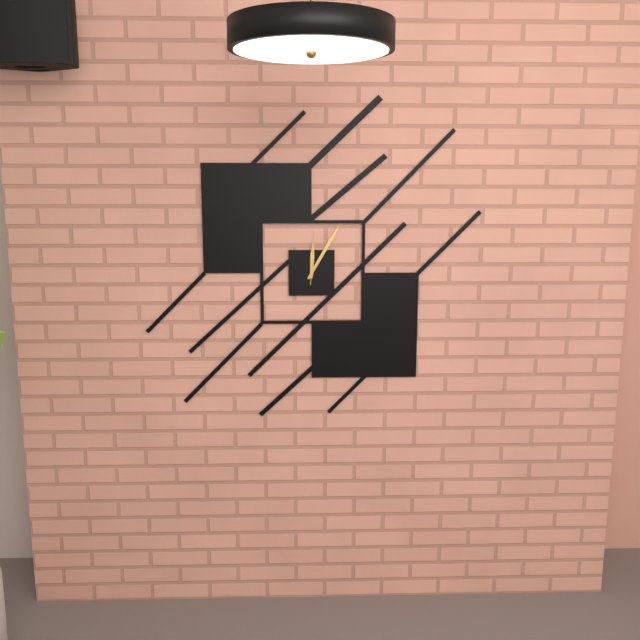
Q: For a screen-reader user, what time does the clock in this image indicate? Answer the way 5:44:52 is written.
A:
12:05:01
